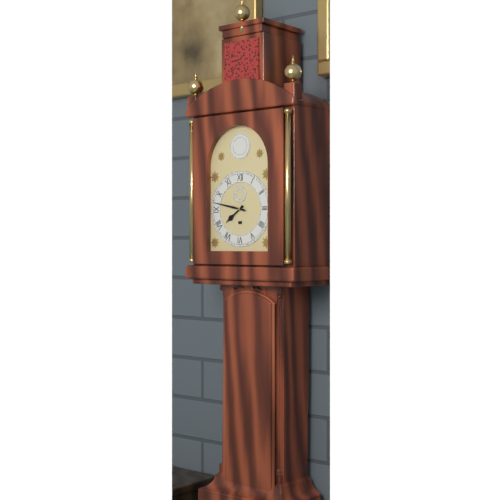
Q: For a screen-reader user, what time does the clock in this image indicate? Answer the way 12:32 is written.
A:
7:47
